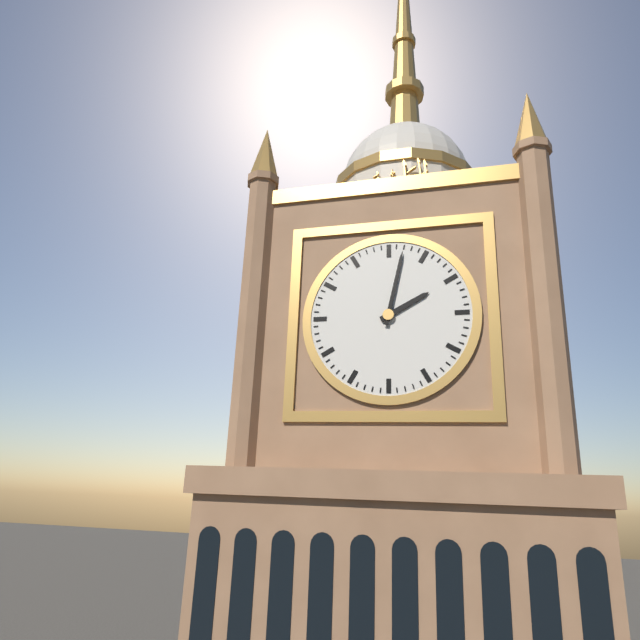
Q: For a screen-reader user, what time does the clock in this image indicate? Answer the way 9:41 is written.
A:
2:02
